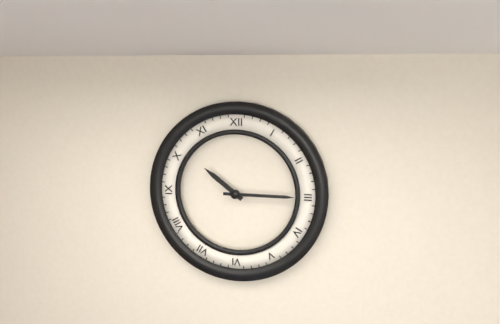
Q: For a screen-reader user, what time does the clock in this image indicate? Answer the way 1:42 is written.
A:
10:15
